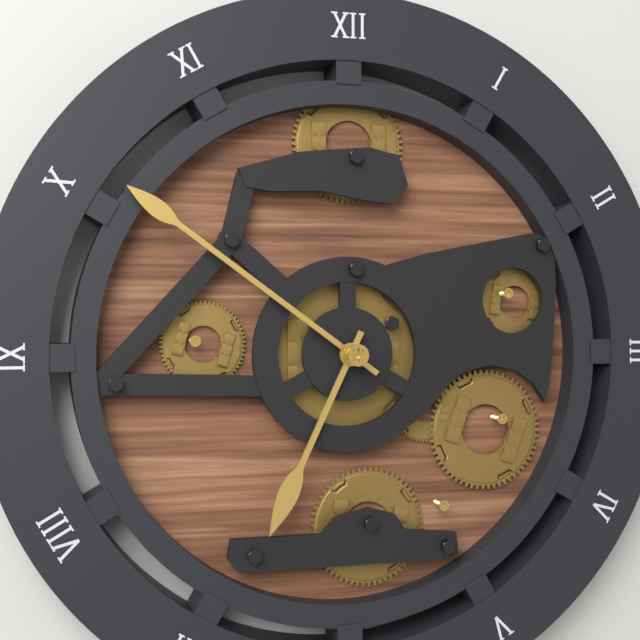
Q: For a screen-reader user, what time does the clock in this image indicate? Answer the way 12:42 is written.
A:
6:51
